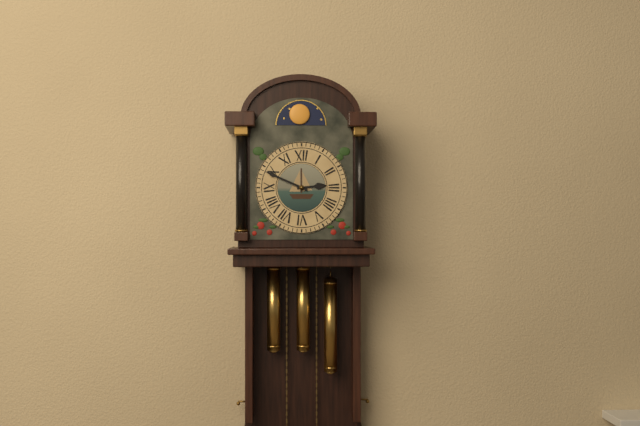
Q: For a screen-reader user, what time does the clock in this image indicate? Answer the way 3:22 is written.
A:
2:49
